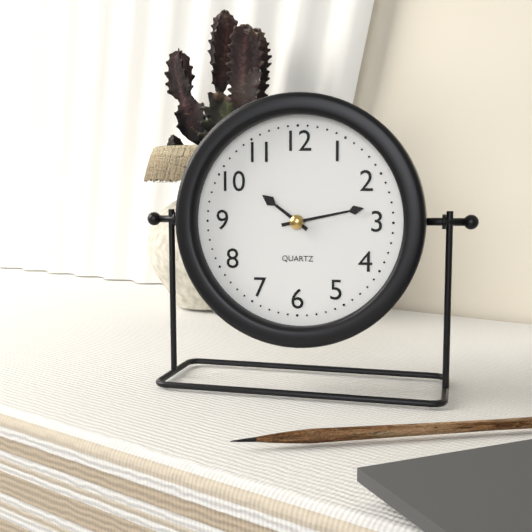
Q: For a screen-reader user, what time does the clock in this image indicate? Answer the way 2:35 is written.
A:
10:13
